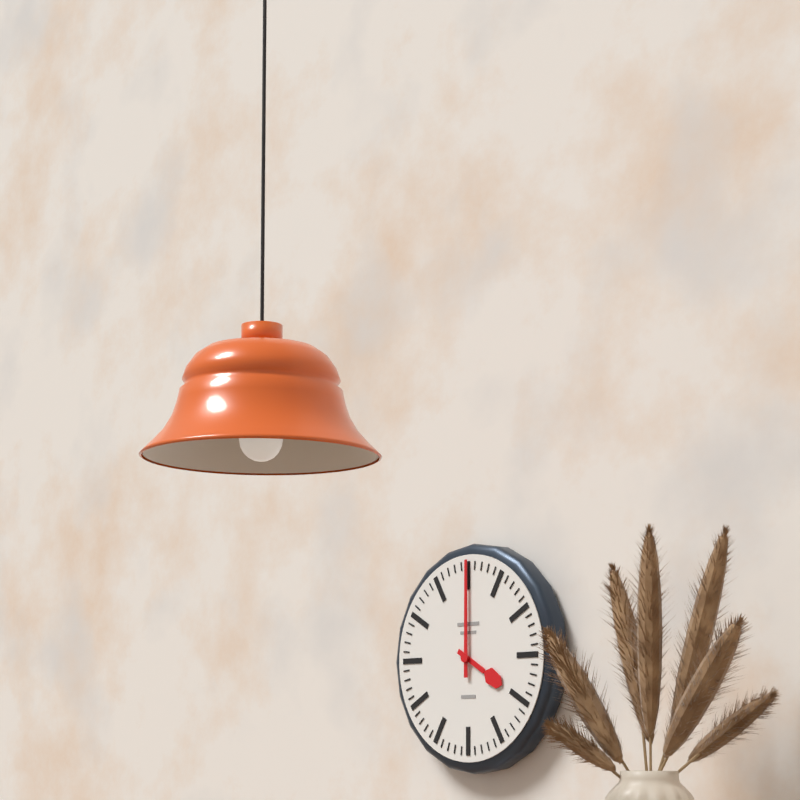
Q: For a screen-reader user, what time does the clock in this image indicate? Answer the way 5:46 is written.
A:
4:00
